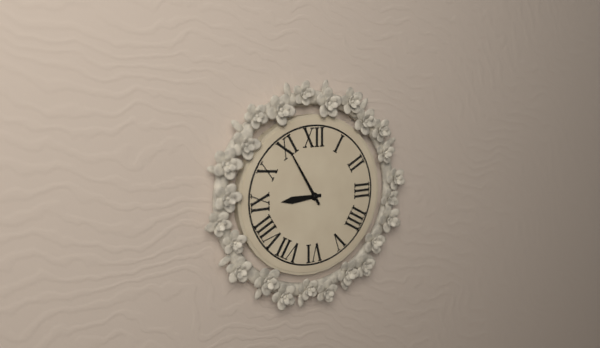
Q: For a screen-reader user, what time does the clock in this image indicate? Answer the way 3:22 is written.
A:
8:55
